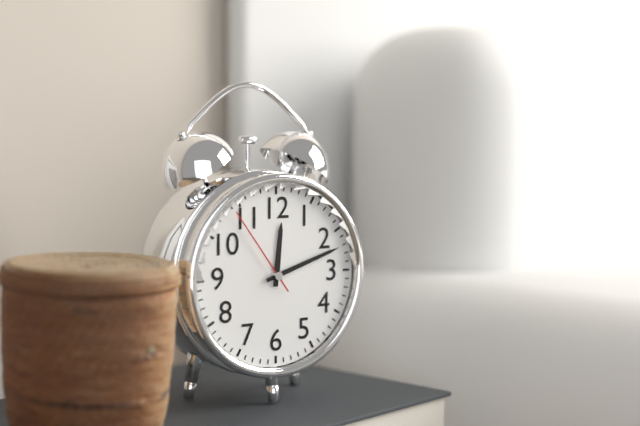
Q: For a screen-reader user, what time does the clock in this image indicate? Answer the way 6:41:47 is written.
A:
12:12:54
